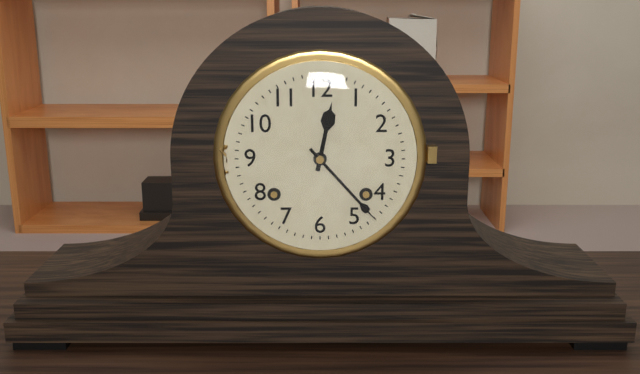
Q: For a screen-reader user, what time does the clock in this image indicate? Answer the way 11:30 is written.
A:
12:23
